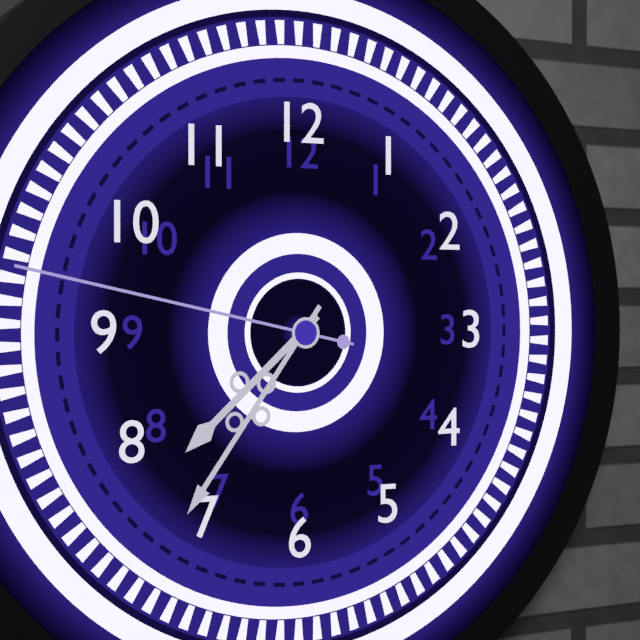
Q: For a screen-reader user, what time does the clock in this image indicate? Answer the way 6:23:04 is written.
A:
7:36:47
